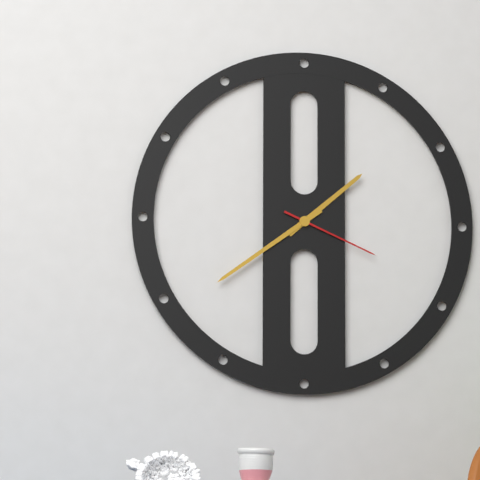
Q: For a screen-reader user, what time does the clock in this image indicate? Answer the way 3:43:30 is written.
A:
1:39:19
